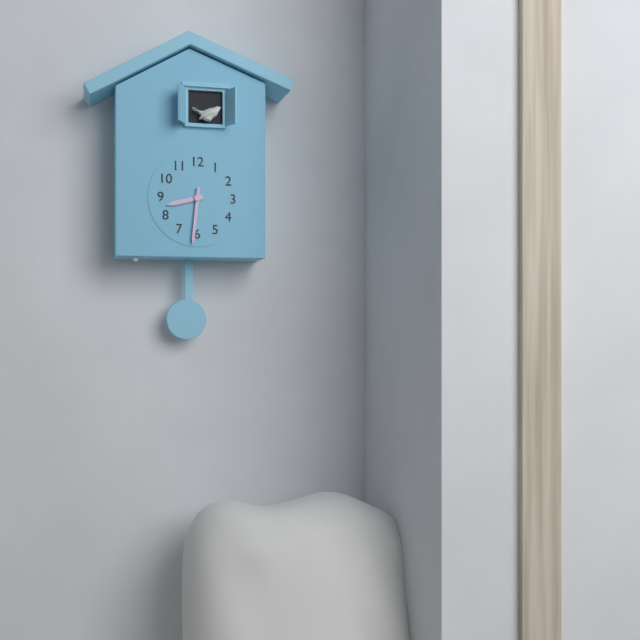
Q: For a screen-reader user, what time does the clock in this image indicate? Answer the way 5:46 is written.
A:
8:31
